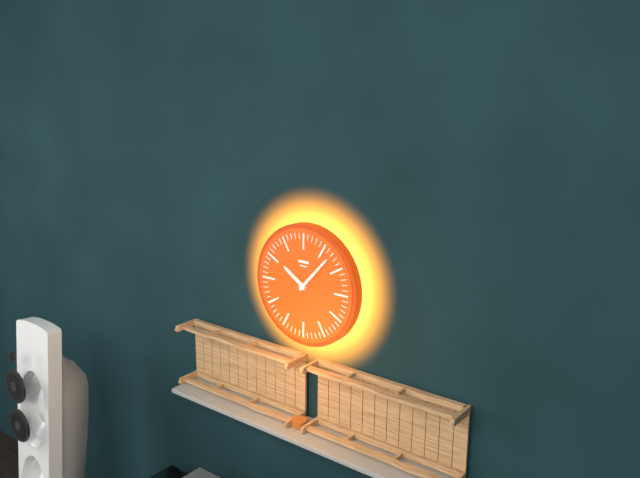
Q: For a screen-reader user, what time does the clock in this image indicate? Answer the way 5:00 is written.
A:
10:07
